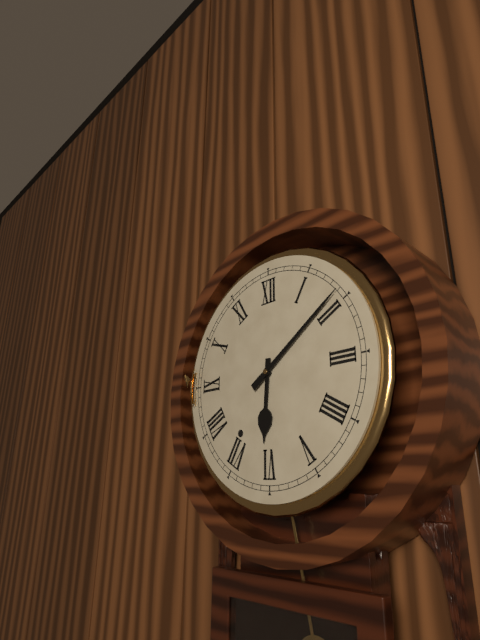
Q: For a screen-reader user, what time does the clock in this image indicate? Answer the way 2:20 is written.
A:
6:09
